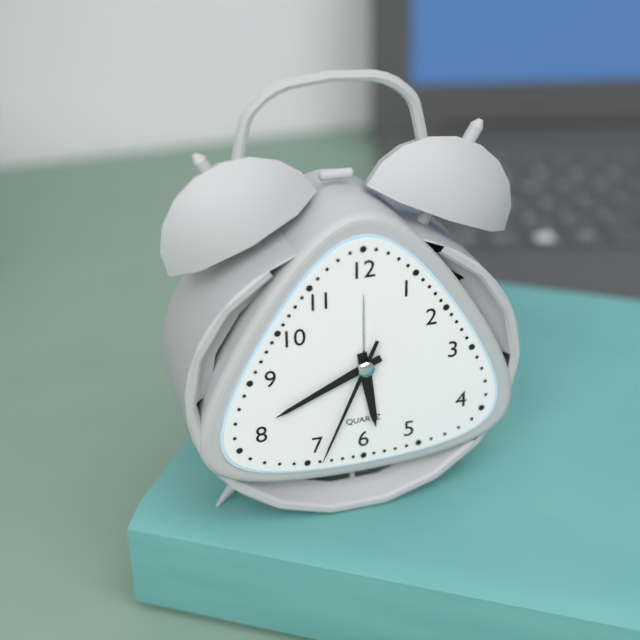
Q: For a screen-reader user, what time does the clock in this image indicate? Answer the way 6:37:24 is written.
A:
5:41:34
